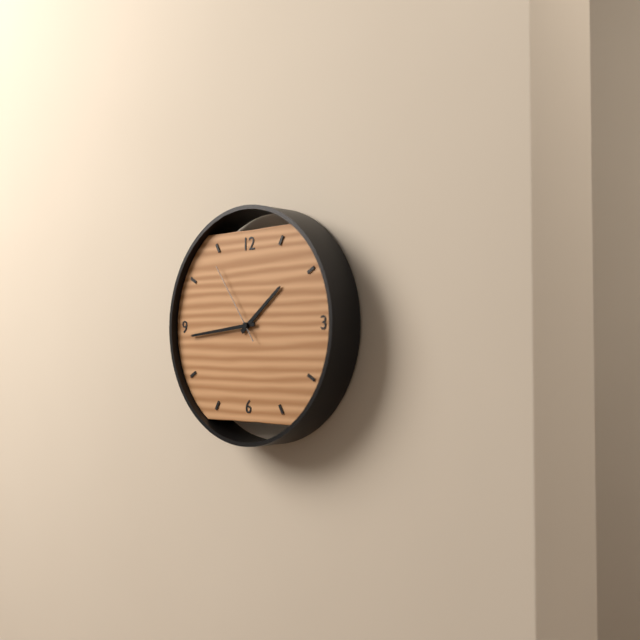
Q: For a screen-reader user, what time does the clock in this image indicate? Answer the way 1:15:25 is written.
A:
1:44:54
